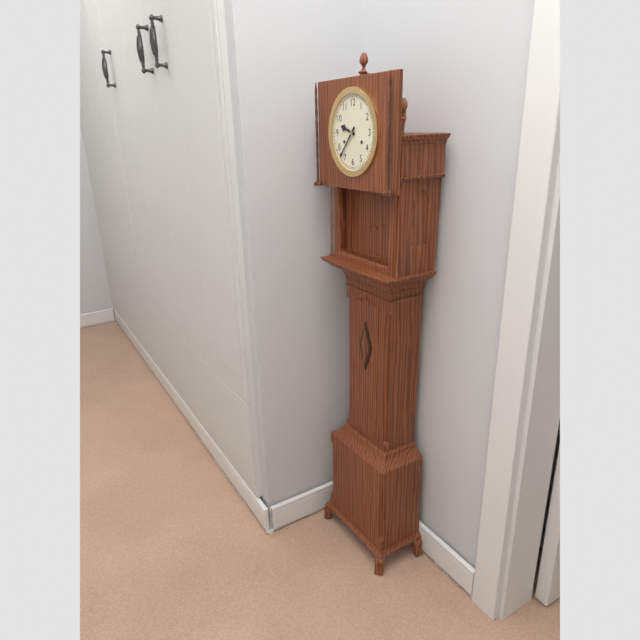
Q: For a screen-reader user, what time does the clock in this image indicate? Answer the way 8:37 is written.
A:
9:37
